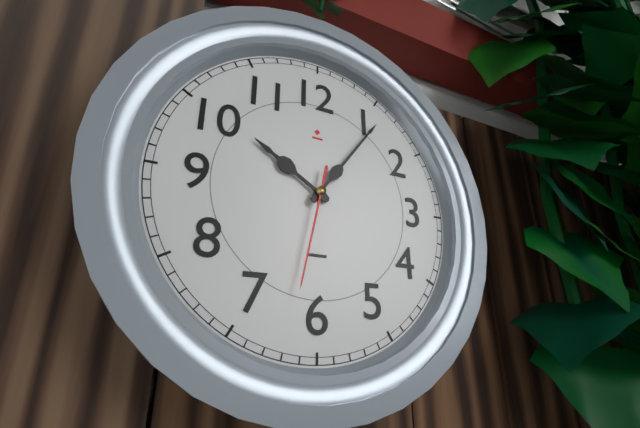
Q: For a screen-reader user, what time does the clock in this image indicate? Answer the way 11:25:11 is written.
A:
10:06:32
